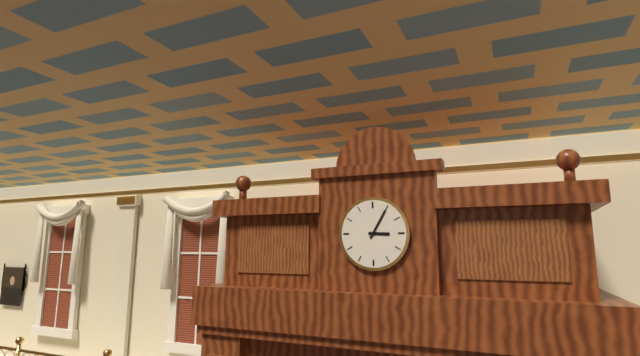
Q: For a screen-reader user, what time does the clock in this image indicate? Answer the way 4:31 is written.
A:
3:05
